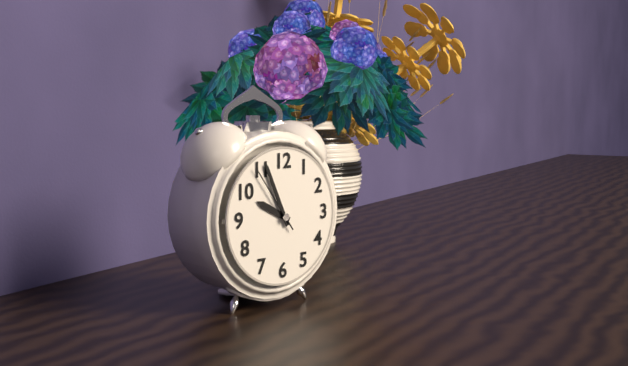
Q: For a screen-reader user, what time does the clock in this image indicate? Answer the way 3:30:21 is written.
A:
9:56:54
